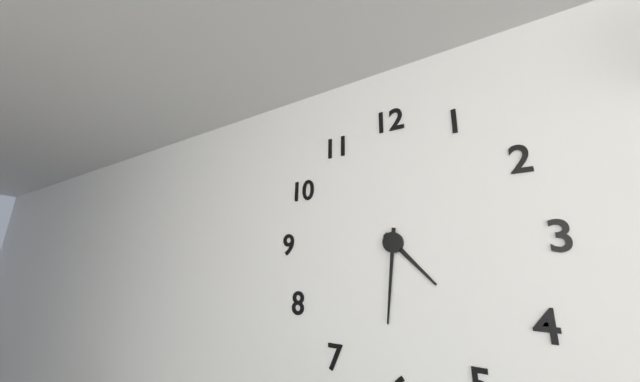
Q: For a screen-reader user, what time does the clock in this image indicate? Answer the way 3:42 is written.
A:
4:31
